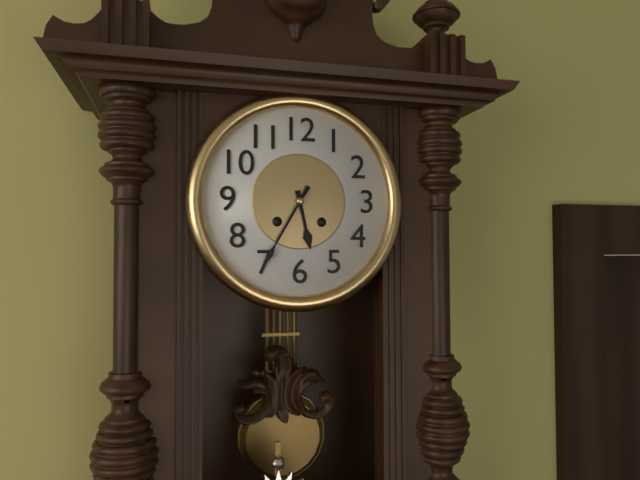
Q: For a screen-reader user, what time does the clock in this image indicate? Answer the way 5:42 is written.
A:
5:35
